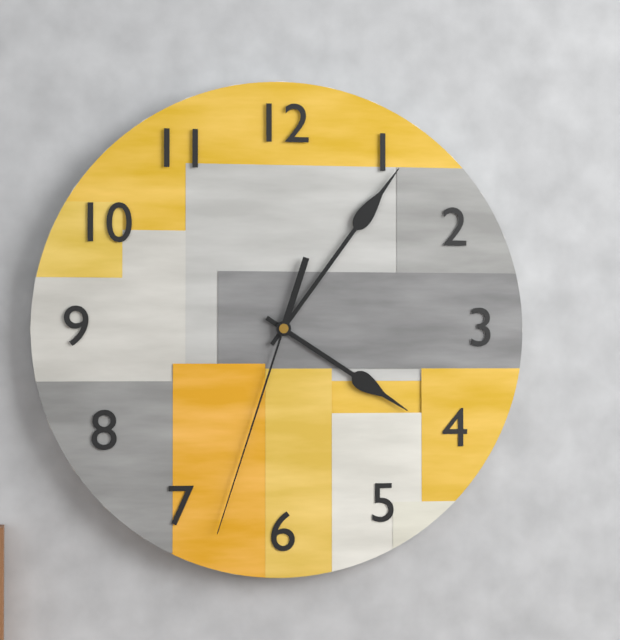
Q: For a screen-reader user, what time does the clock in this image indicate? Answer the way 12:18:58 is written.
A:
4:06:33
